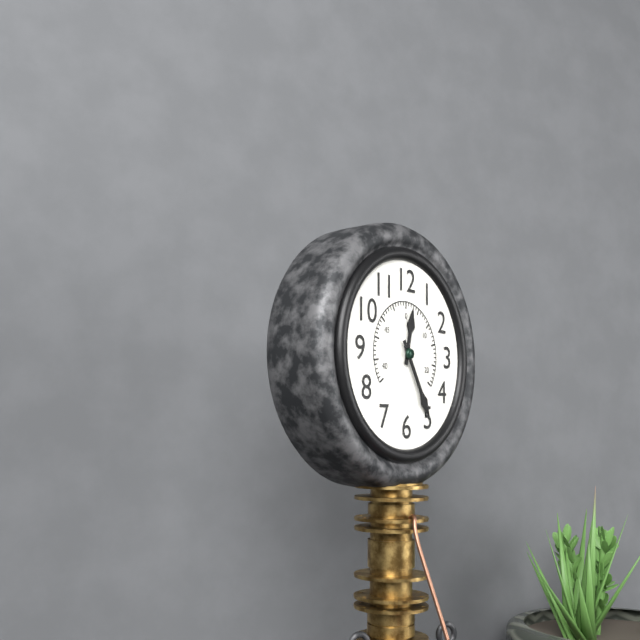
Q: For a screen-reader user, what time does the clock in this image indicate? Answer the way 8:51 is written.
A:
12:25
